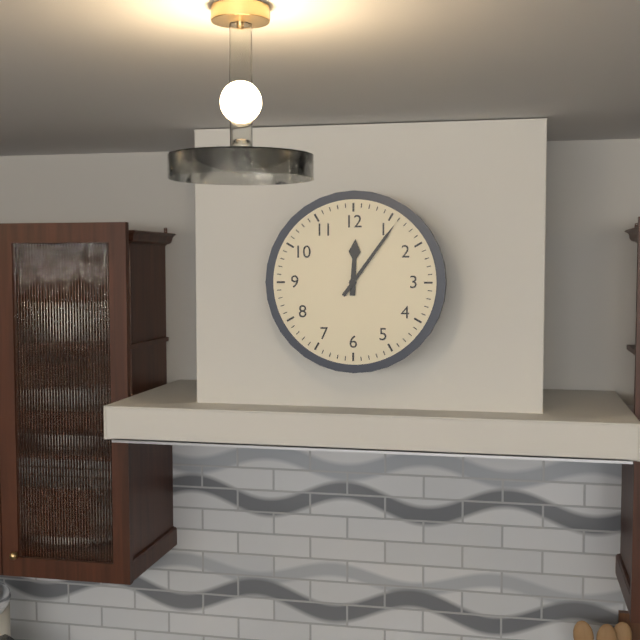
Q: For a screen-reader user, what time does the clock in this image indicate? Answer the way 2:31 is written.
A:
12:06
